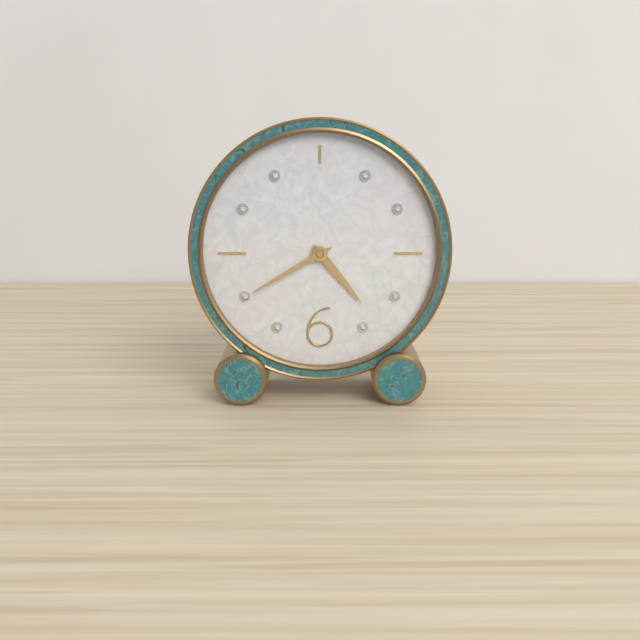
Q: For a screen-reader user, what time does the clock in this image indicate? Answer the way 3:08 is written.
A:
4:40
